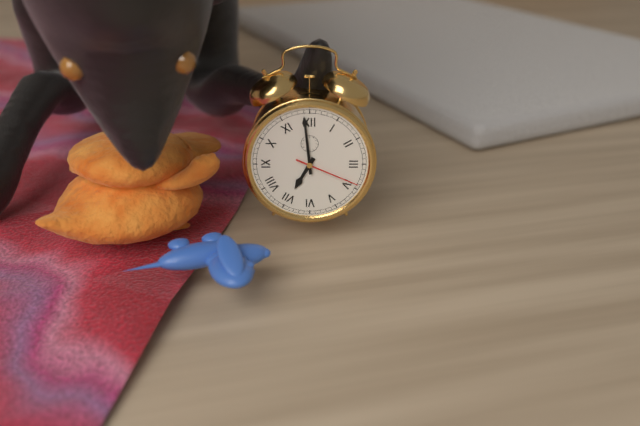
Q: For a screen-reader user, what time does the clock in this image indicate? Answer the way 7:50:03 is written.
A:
6:59:19
